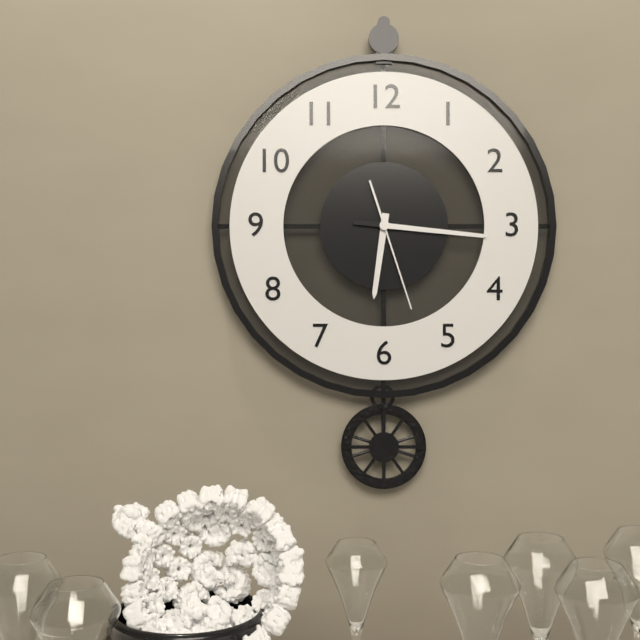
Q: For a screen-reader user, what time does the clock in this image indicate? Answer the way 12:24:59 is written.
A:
6:16:27
